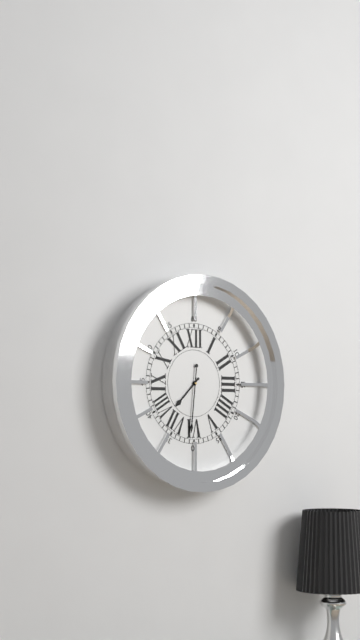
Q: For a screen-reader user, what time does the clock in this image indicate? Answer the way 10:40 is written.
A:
7:31
